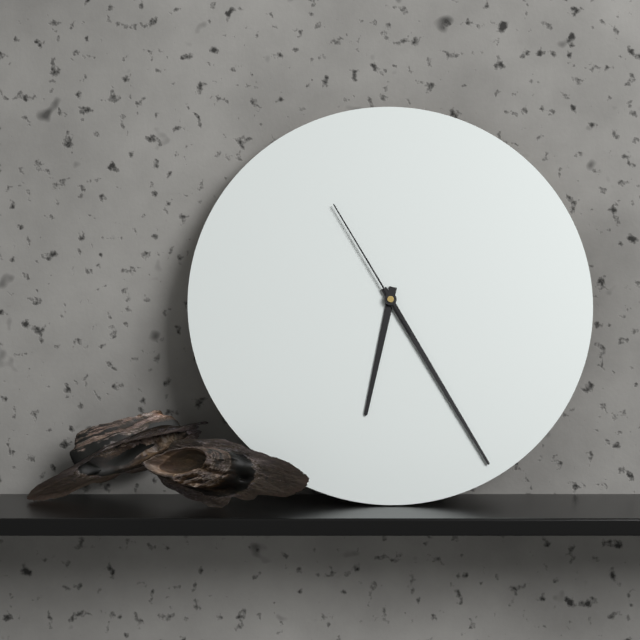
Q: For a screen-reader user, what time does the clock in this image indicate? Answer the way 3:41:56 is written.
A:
6:25:55
